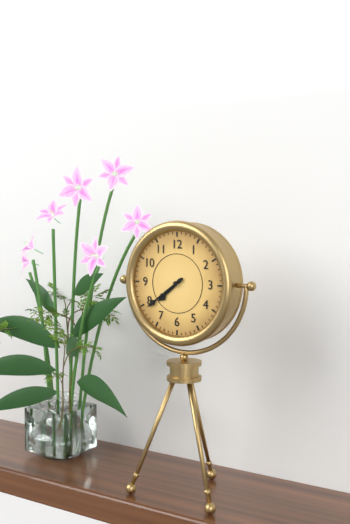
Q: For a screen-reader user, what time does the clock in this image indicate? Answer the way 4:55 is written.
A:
7:39
